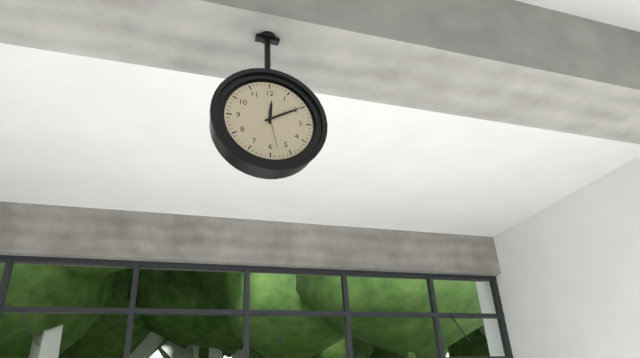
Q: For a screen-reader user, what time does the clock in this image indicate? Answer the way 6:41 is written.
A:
12:10
